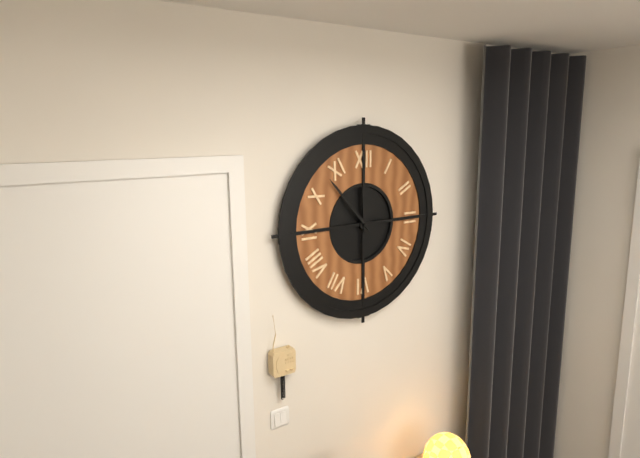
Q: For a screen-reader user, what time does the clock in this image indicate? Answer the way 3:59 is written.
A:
11:53
